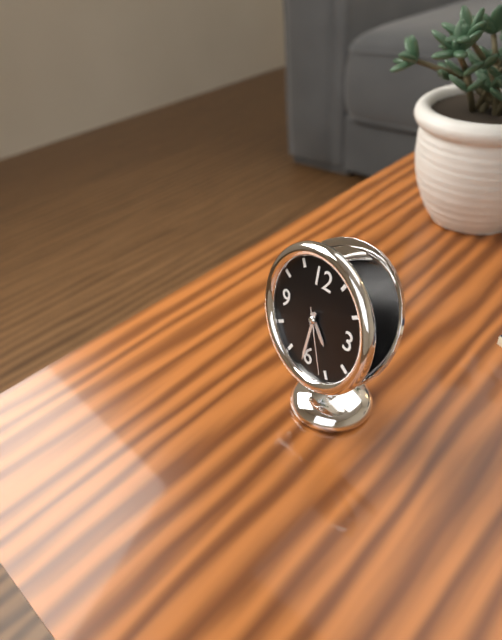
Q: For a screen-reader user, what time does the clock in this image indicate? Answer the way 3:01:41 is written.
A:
4:31:26
